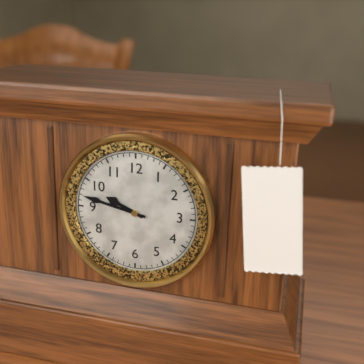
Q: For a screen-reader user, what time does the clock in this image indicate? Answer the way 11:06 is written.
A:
9:47
